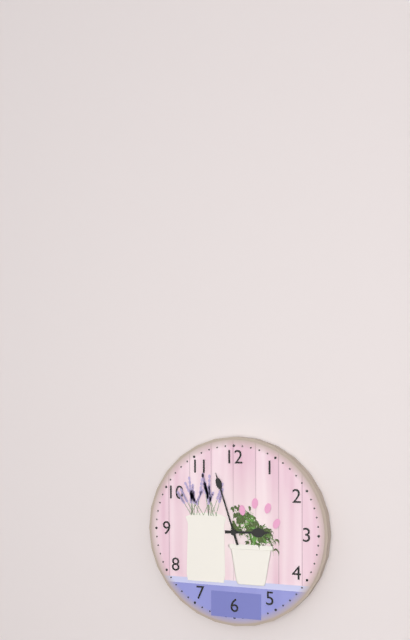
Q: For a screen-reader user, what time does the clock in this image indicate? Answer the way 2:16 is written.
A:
2:57
